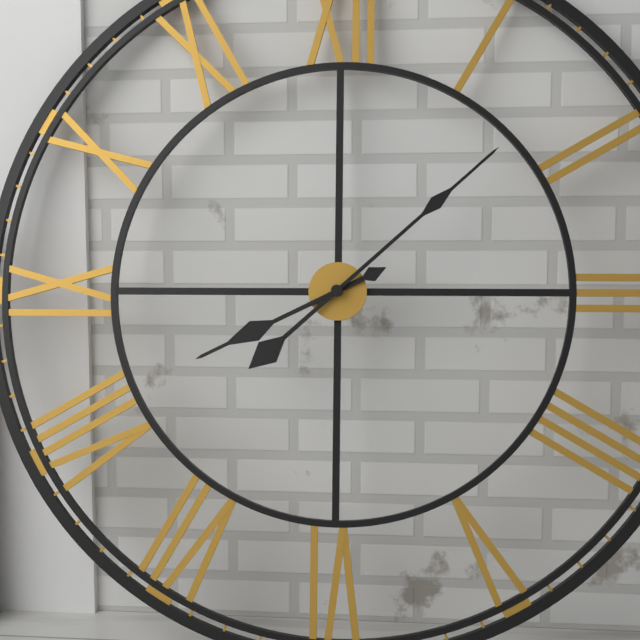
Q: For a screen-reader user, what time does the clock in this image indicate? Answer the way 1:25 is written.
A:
8:08
